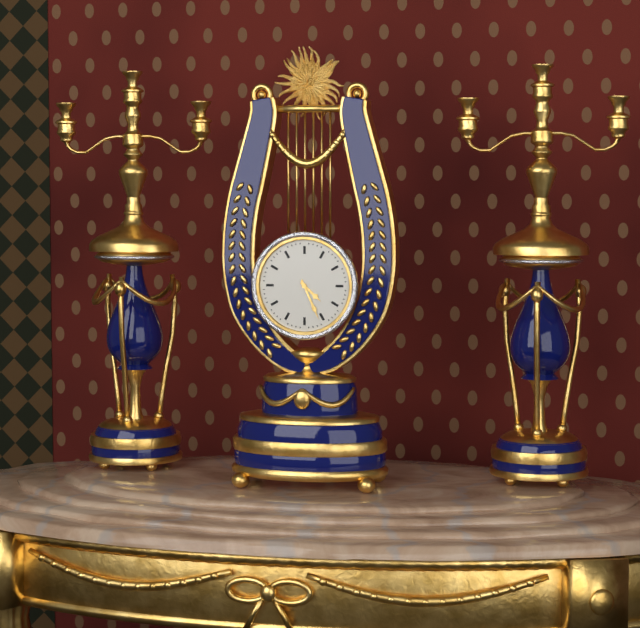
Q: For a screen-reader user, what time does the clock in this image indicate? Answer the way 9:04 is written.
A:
4:26
